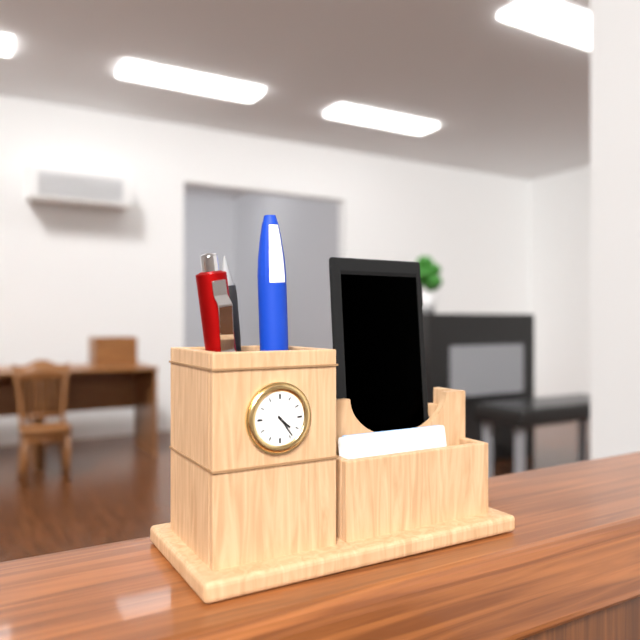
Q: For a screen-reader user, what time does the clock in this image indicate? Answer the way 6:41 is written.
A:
4:24
